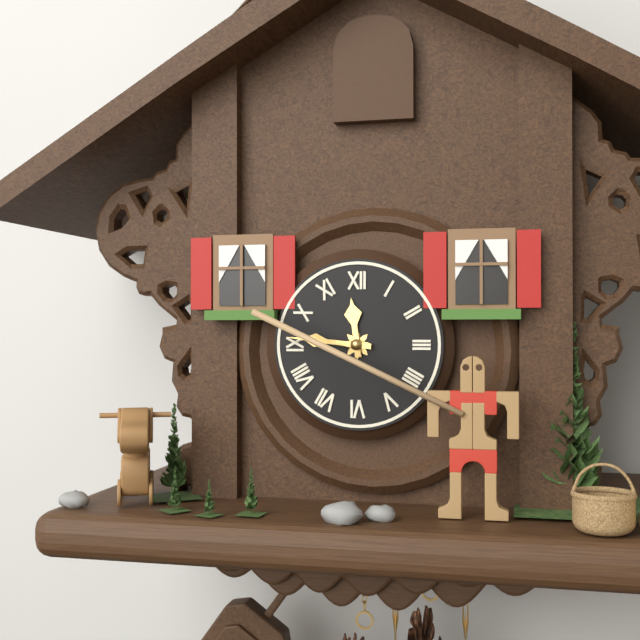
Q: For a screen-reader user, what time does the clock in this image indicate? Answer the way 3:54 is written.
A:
11:46
